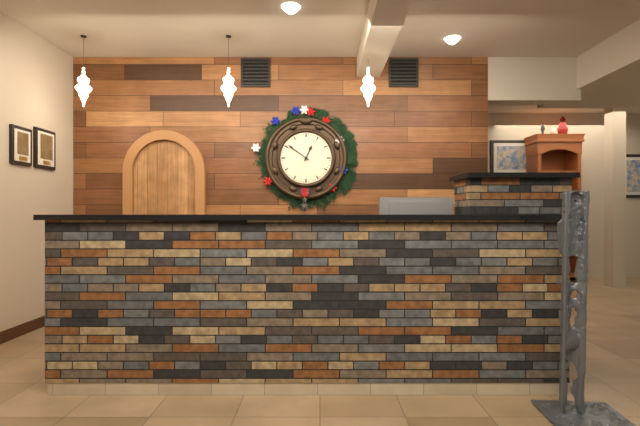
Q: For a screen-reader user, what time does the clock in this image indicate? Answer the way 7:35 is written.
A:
12:51
